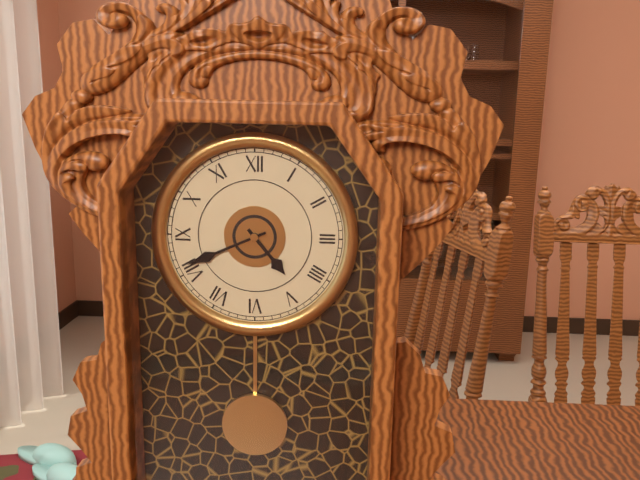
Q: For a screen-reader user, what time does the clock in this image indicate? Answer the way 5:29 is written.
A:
4:41
